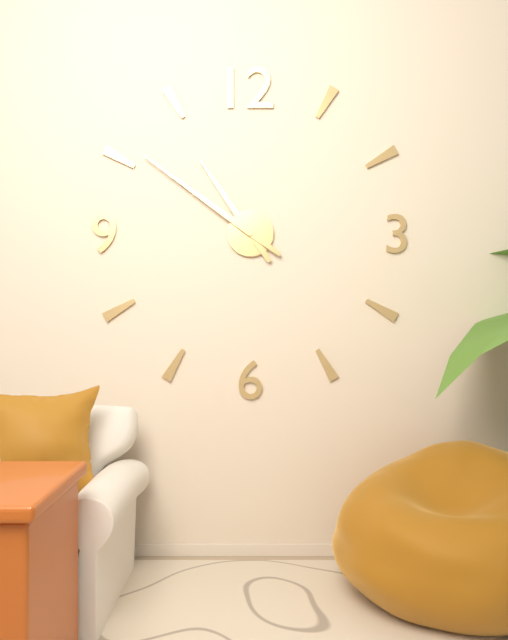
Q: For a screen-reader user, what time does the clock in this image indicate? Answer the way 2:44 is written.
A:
10:51
